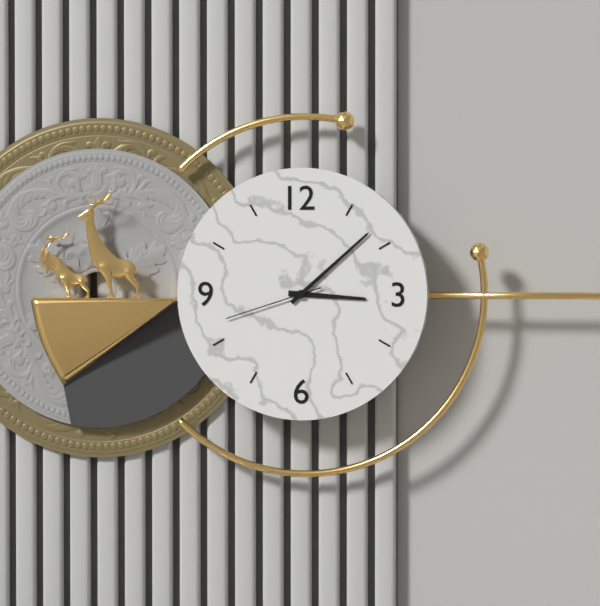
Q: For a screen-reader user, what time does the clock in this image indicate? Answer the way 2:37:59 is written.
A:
3:08:42
